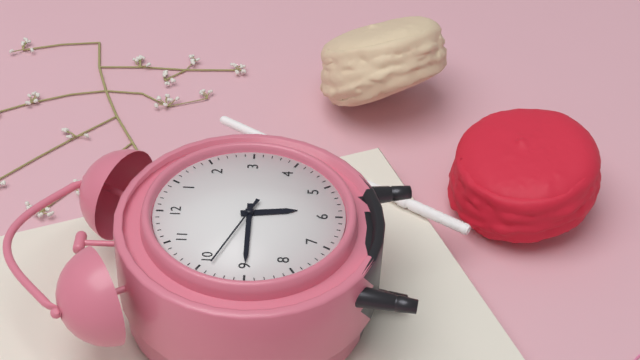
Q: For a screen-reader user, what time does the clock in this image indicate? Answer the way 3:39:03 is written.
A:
5:45:49
